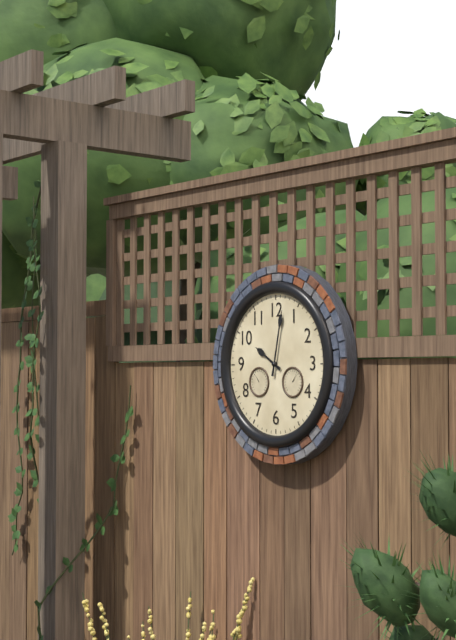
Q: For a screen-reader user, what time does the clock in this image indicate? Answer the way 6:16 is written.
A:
10:02
